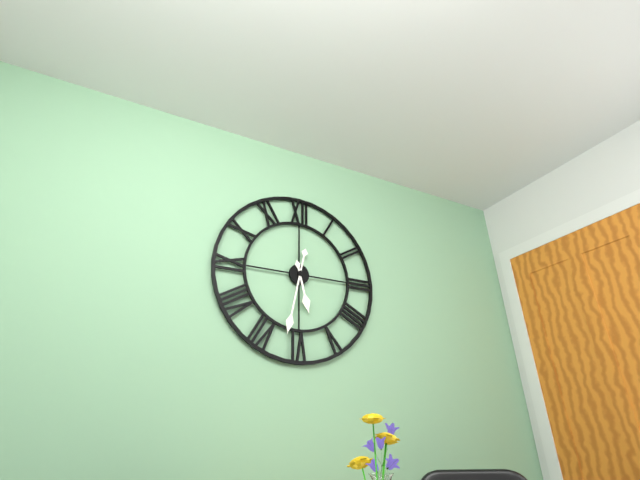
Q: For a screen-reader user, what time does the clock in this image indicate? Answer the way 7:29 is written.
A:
5:32
